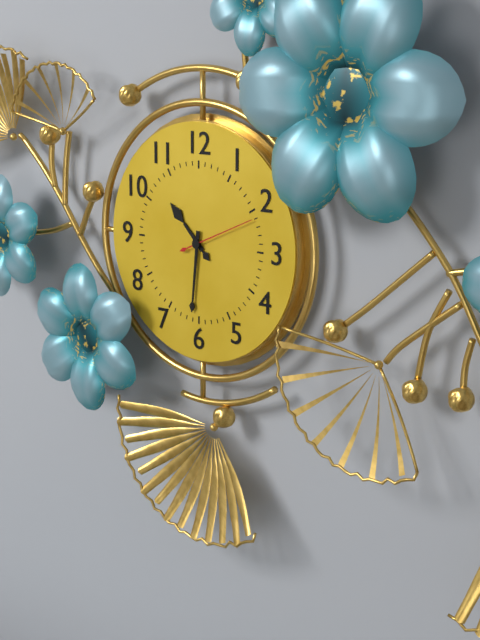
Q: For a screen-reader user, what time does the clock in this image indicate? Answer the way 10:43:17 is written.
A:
10:31:11
